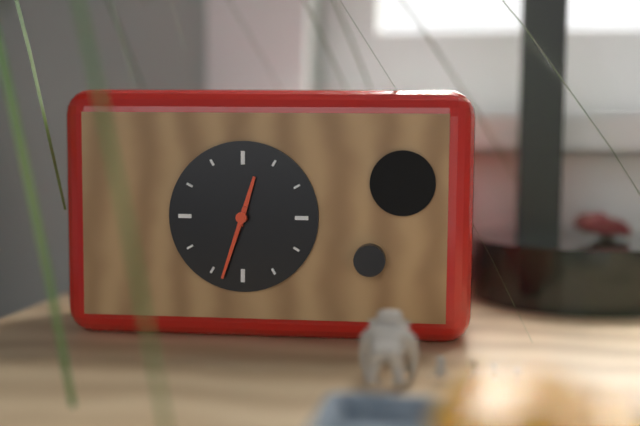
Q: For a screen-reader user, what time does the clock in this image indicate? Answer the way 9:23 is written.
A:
12:33
